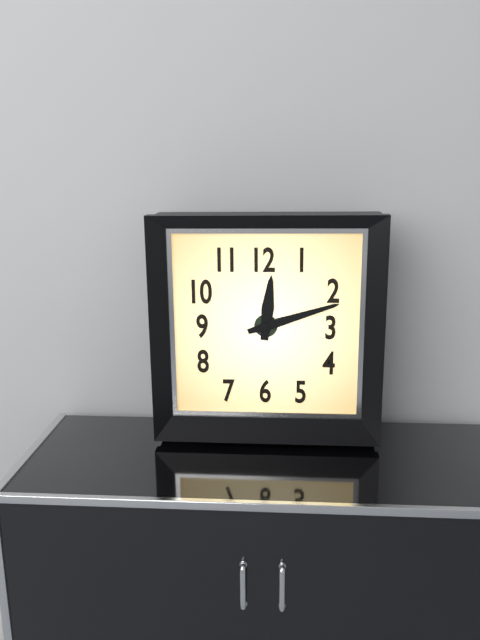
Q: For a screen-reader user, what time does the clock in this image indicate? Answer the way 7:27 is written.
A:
12:12
